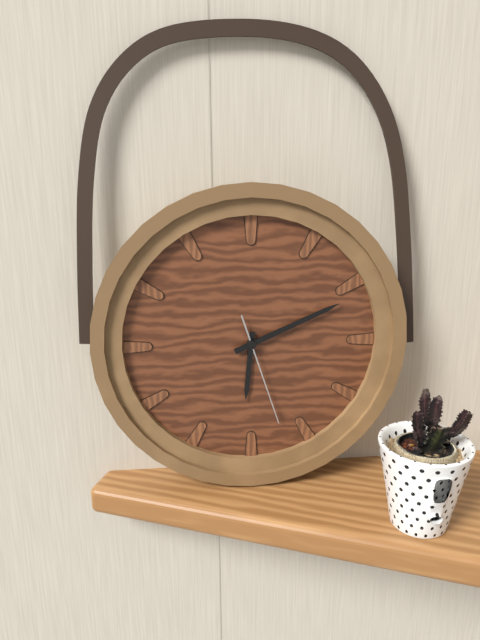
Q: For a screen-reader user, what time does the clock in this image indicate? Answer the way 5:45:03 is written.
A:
6:11:27
